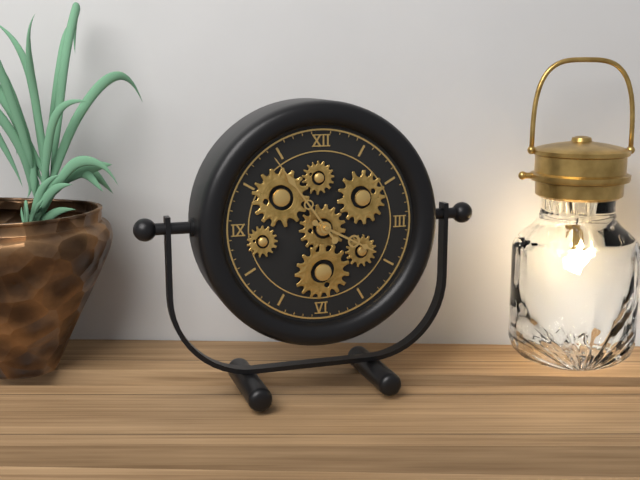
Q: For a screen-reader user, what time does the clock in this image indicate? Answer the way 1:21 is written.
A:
3:54
